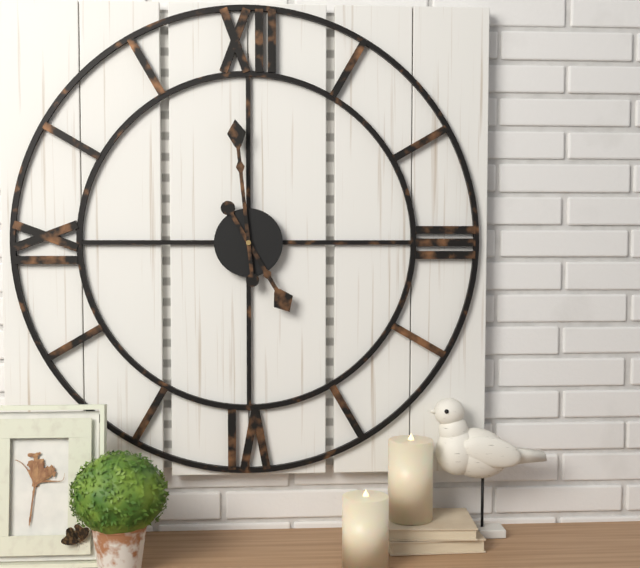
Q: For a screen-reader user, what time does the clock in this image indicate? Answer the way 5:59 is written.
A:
4:59
